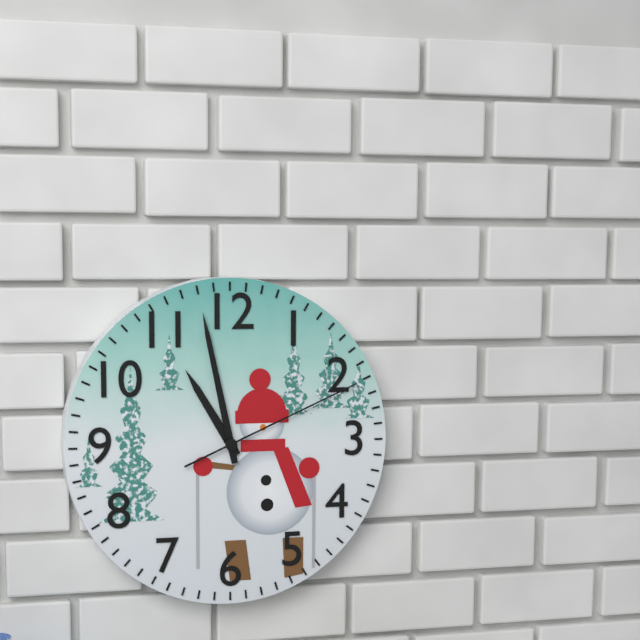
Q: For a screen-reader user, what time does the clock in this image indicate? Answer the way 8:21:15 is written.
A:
10:58:11
